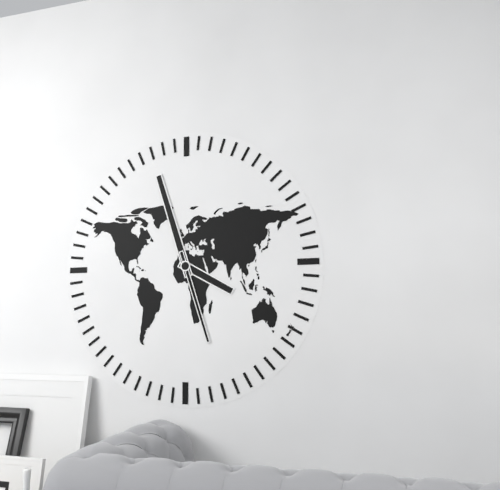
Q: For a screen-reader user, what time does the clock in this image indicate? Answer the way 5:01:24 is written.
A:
3:57:27
